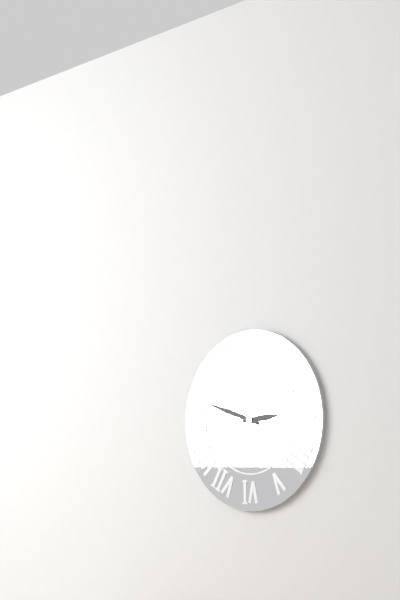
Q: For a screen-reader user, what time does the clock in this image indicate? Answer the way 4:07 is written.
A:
2:48
